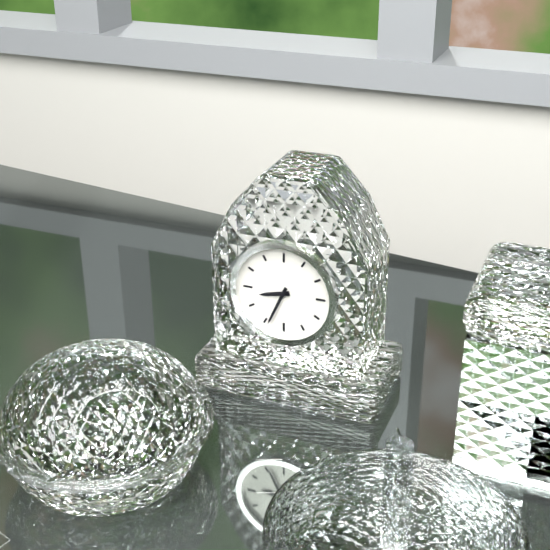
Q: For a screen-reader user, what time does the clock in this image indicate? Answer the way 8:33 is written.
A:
8:34
